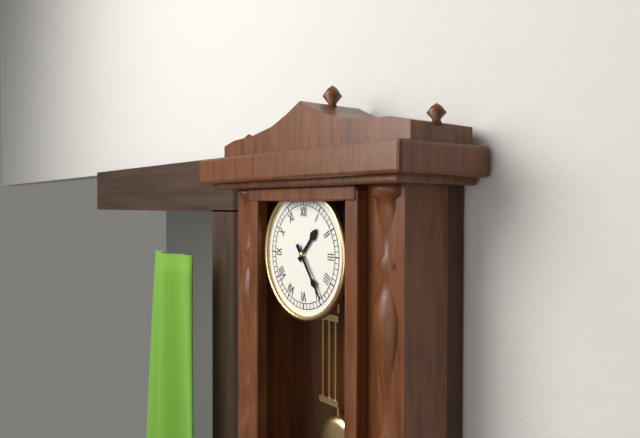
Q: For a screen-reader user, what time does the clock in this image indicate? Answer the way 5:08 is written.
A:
1:24
